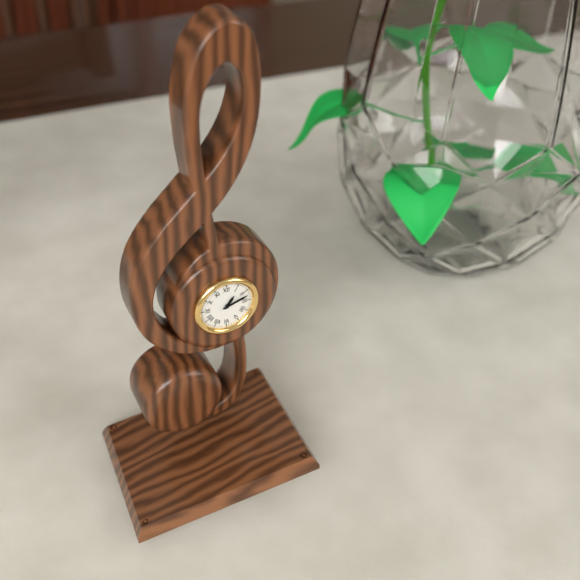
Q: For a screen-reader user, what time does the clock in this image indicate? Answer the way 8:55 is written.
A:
1:12
